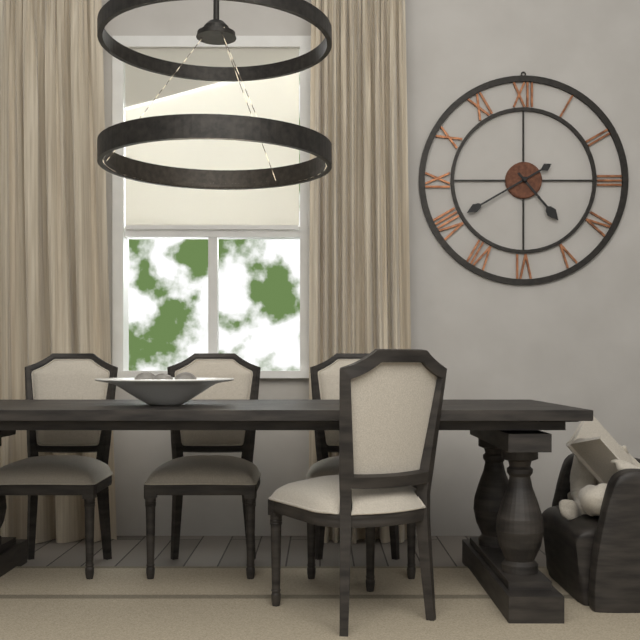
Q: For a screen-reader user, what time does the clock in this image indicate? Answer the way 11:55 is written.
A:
4:40
